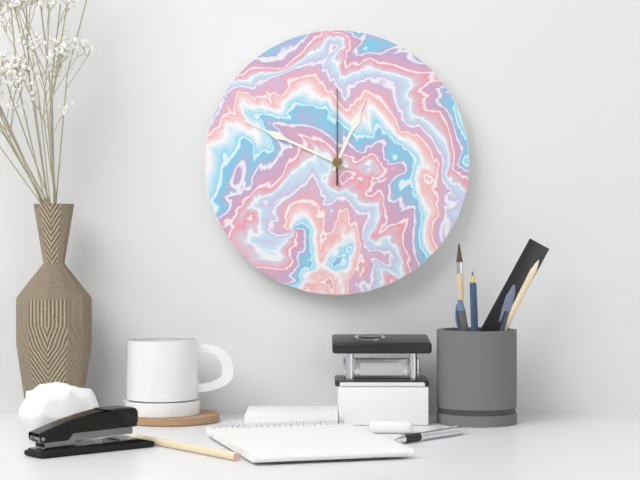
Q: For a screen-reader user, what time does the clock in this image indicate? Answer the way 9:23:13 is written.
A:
12:49:00
